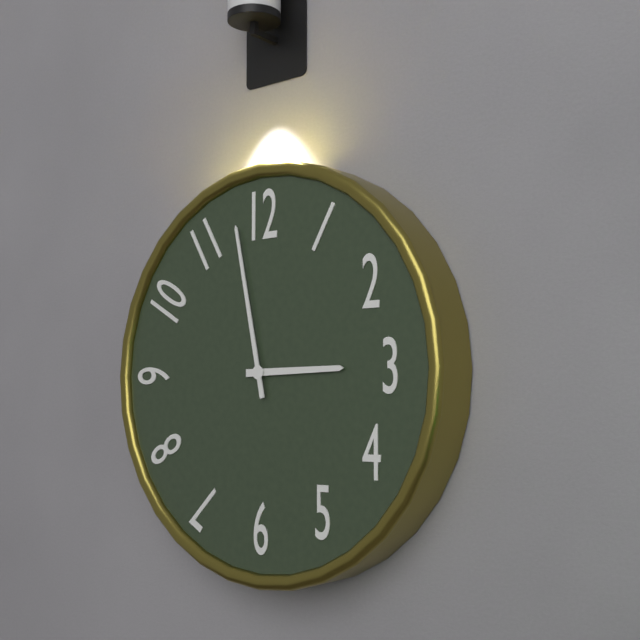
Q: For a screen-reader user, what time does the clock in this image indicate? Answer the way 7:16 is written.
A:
2:58
